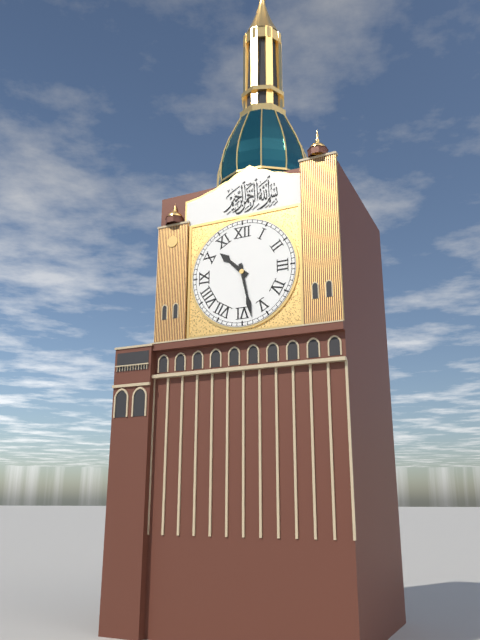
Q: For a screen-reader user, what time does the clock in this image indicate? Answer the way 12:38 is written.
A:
10:28
